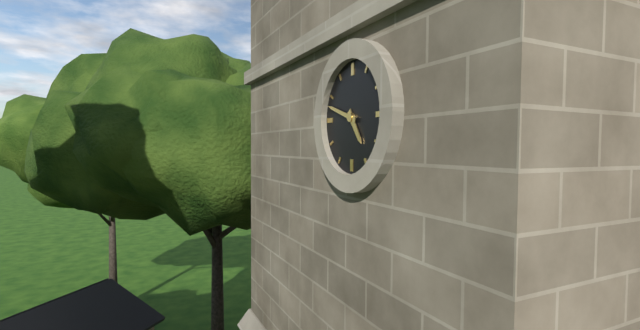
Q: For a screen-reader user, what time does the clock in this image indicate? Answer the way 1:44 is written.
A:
4:48
